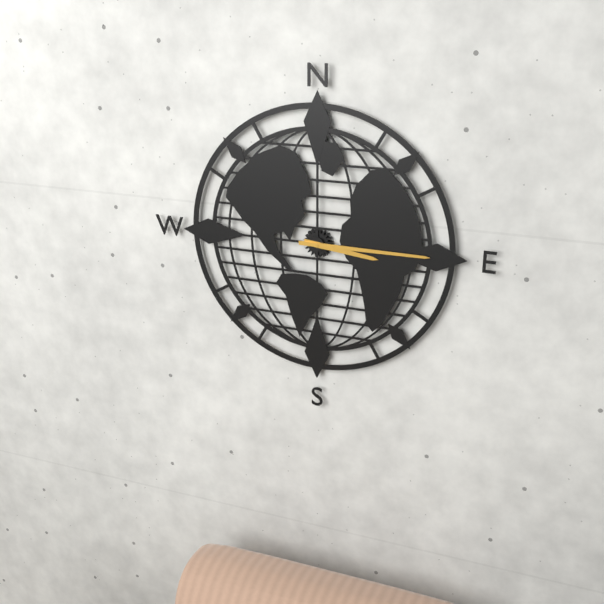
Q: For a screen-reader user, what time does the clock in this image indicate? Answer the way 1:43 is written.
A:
3:15
